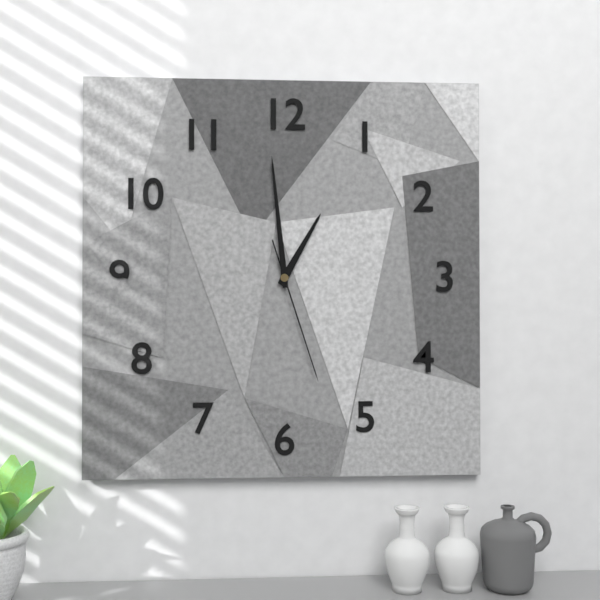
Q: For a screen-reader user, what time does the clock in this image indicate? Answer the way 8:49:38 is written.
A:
12:59:27
